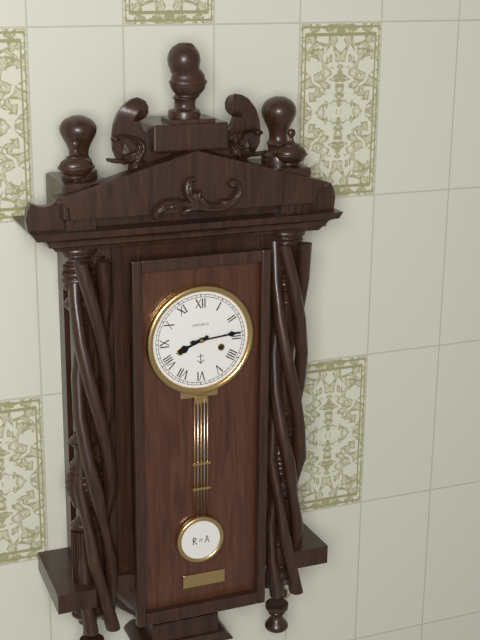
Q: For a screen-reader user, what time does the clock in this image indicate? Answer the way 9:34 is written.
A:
8:14
